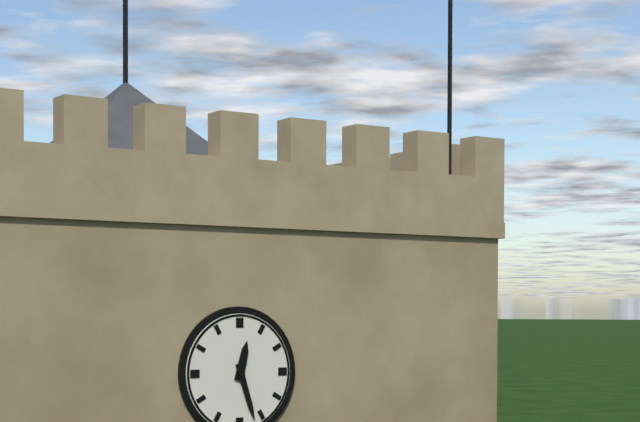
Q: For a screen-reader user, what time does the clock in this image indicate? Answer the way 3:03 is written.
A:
12:27
